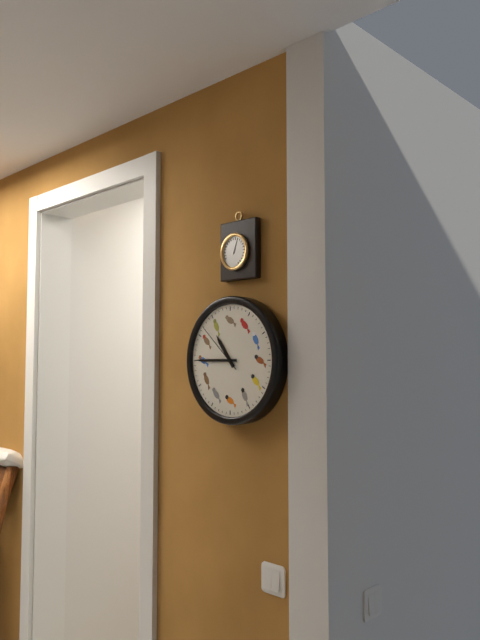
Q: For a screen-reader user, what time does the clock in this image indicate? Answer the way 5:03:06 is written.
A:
10:45:52
